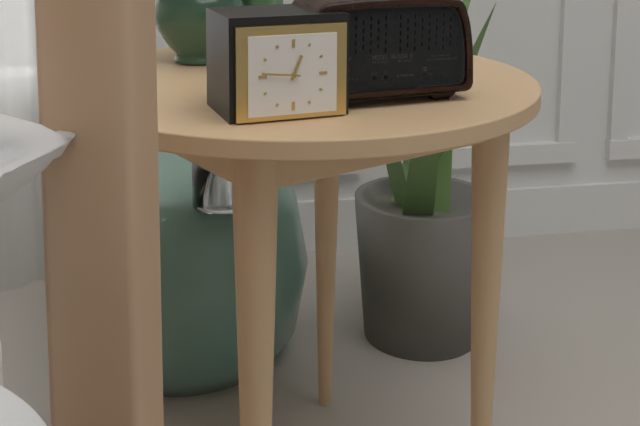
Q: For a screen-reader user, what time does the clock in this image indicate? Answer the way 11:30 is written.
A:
12:46
